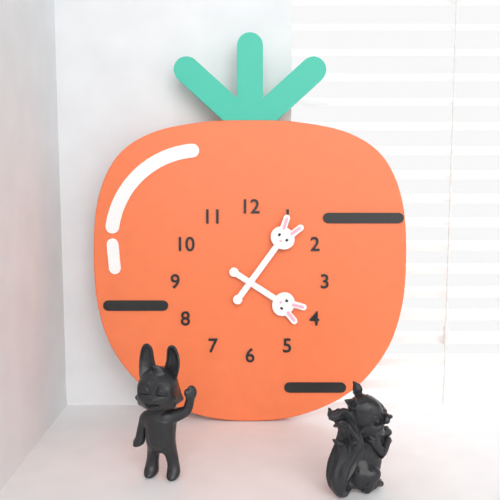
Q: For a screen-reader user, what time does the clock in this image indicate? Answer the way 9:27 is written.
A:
4:06
